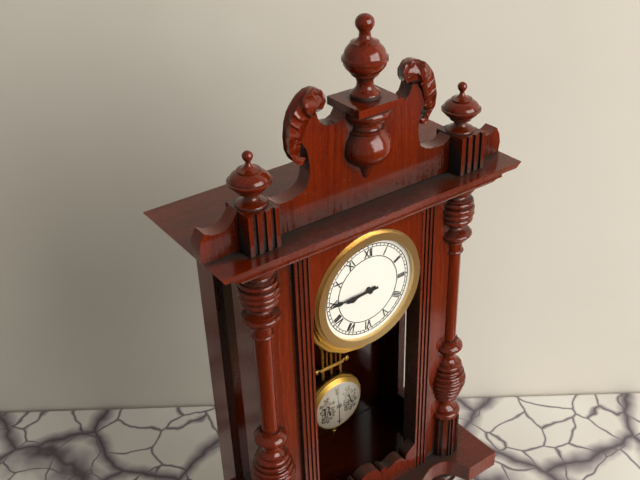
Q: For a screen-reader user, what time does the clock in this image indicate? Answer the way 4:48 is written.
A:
8:45
